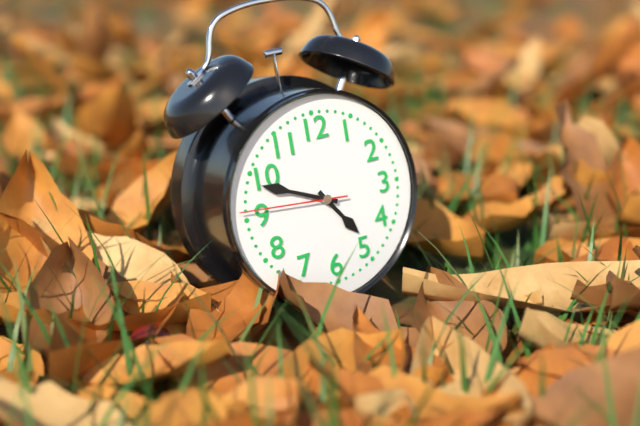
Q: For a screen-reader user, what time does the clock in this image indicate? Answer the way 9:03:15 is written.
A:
4:49:46
